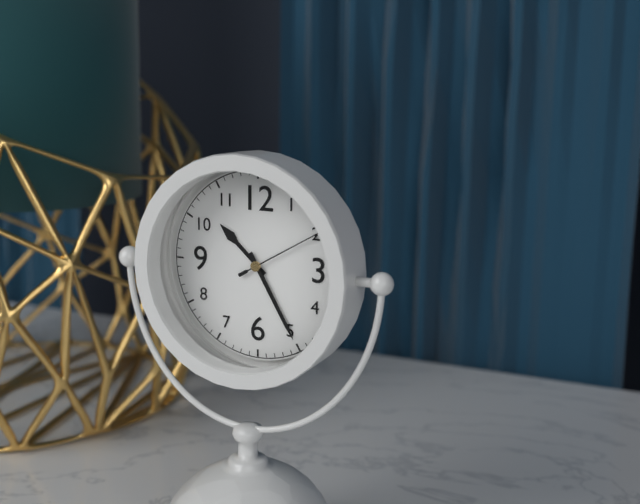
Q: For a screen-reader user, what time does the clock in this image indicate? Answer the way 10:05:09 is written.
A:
10:25:10
